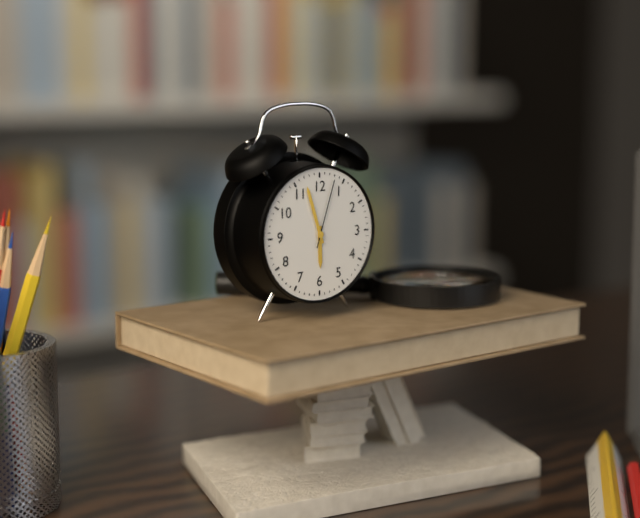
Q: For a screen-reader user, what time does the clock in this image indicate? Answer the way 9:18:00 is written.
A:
5:57:03
